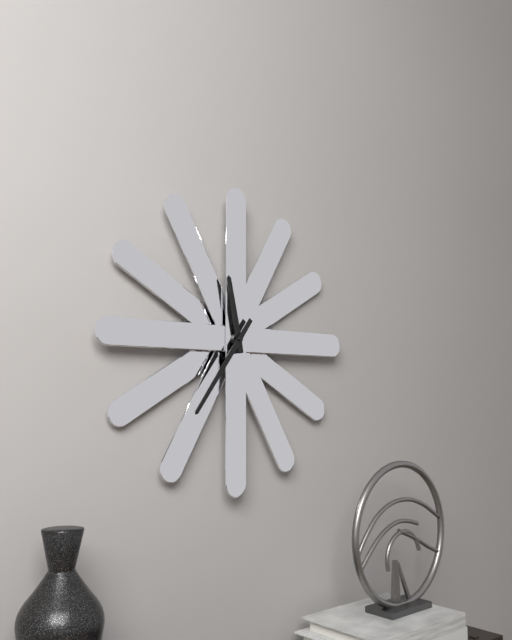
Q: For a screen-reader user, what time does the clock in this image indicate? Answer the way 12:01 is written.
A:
11:36
